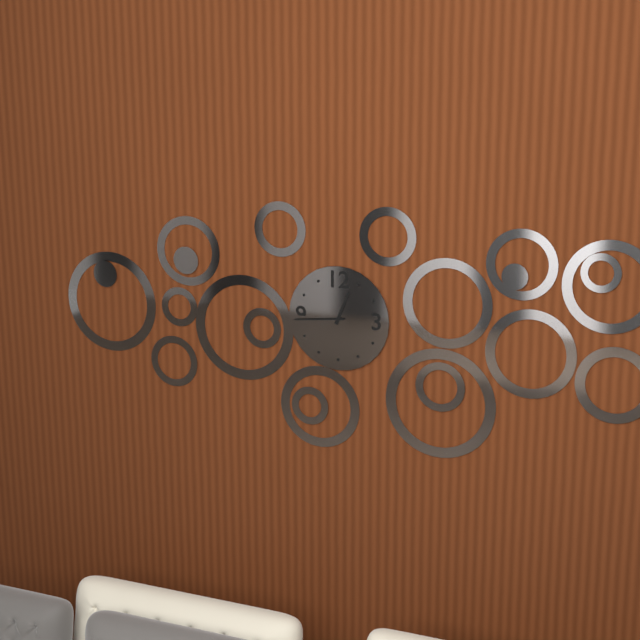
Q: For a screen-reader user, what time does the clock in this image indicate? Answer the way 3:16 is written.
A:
12:44
